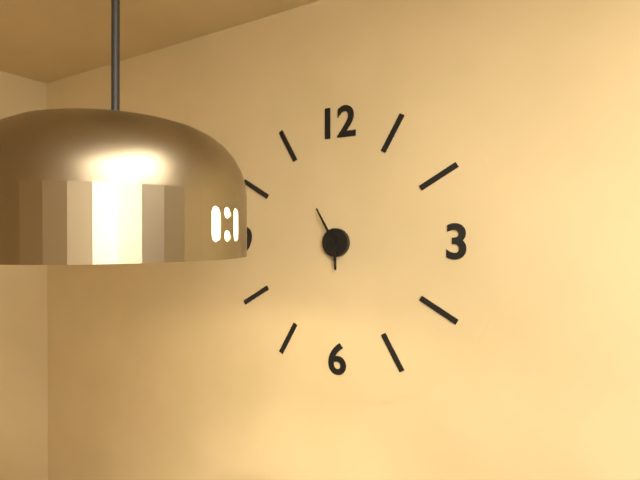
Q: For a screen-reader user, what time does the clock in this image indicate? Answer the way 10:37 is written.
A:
5:55
